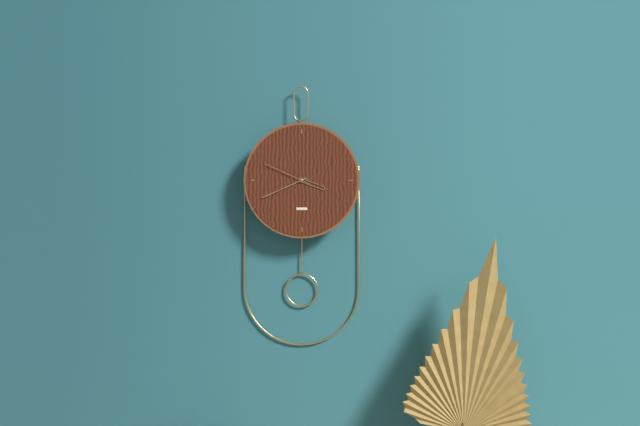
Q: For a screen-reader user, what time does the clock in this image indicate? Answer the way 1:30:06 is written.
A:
3:41:49
